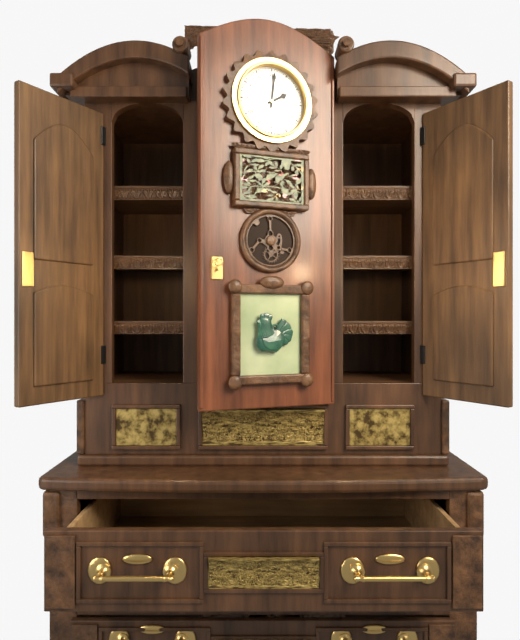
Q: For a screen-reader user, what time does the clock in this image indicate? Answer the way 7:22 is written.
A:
2:01
